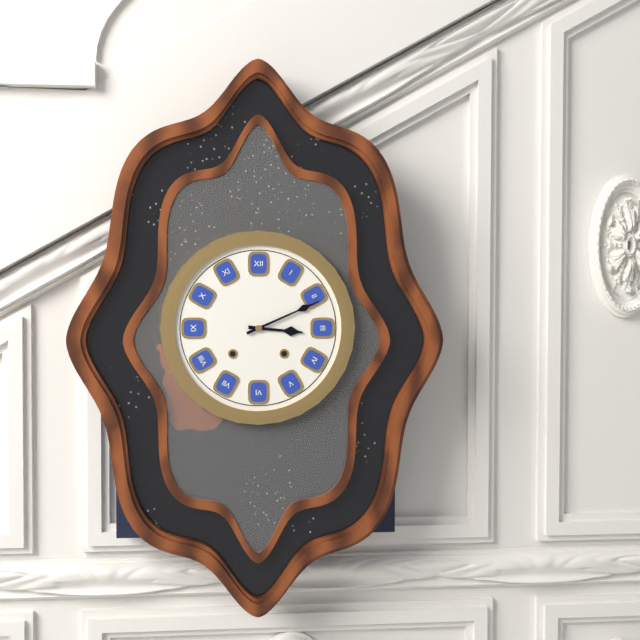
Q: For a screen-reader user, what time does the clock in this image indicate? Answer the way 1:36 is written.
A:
3:11
